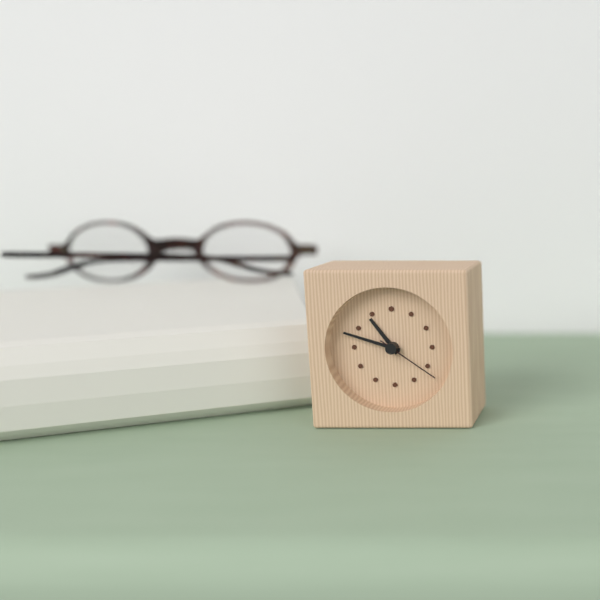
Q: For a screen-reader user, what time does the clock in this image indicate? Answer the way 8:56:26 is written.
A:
10:48:21
